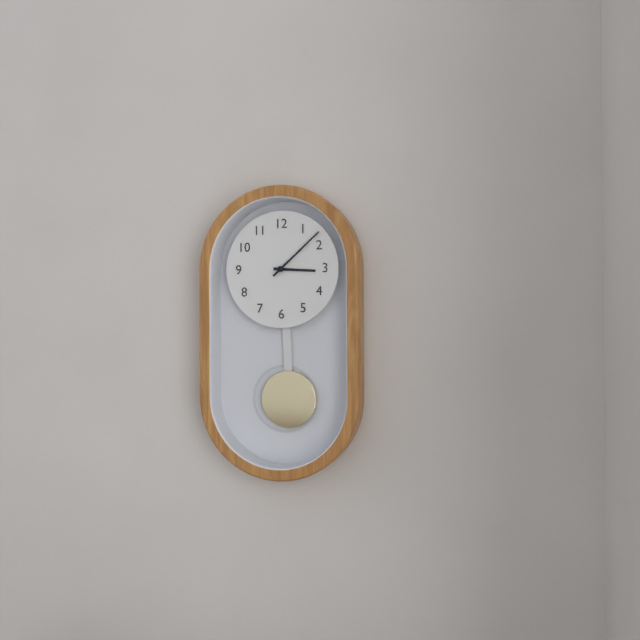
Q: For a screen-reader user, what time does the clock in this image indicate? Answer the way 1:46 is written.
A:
3:08
